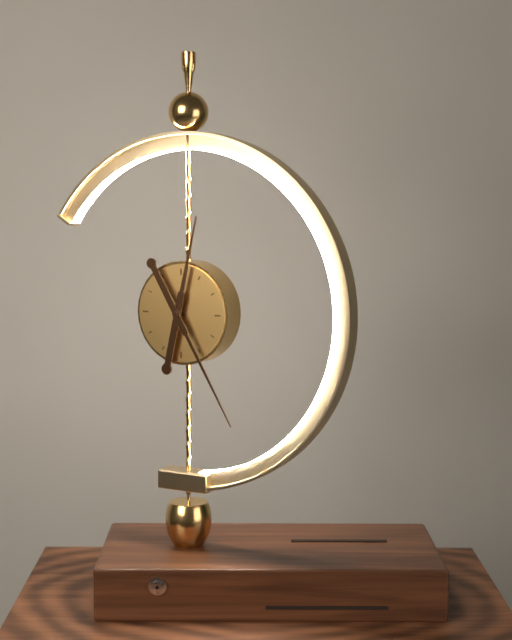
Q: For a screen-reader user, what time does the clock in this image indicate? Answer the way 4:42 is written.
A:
12:25
